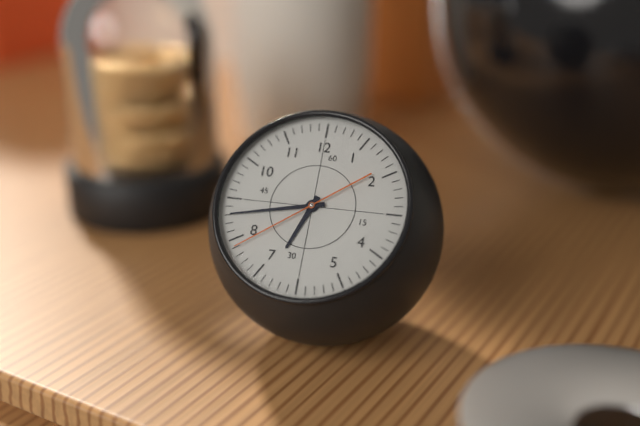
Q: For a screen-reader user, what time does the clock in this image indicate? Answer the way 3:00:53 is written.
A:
6:43:39
